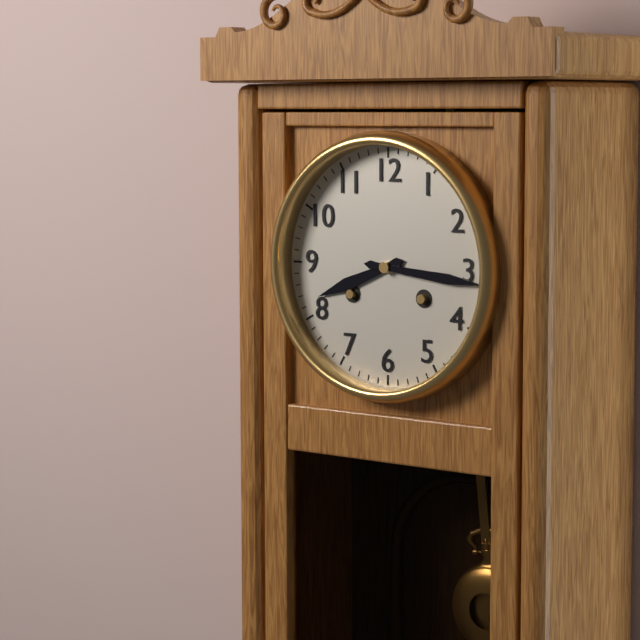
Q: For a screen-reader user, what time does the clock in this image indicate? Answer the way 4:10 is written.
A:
8:16
